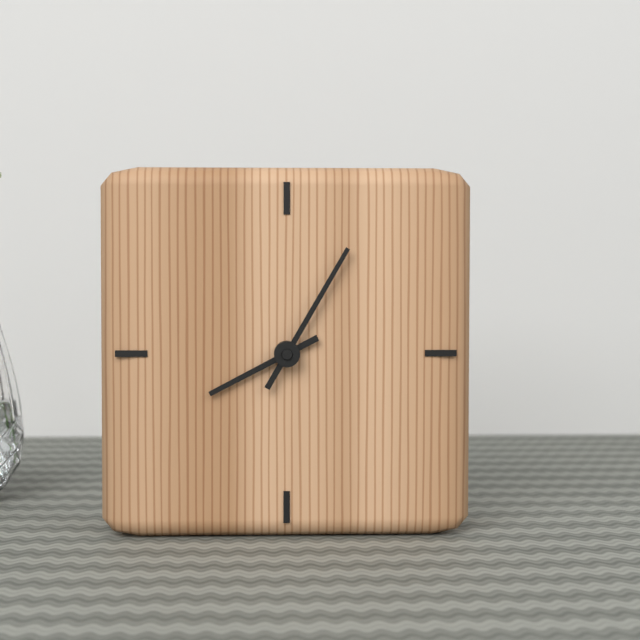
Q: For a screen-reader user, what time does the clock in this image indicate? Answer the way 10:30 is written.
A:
8:05
